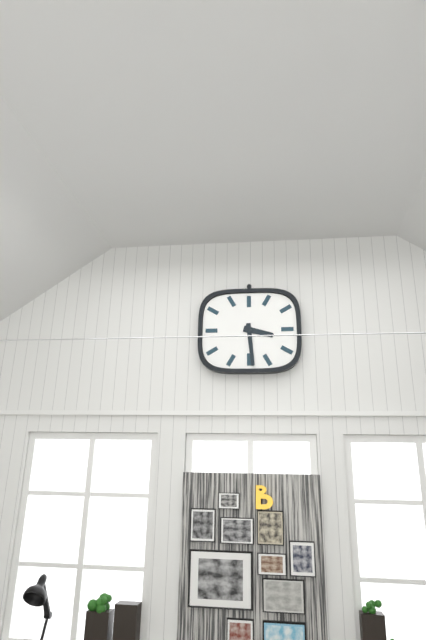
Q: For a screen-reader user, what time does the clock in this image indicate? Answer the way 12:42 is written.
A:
3:29
